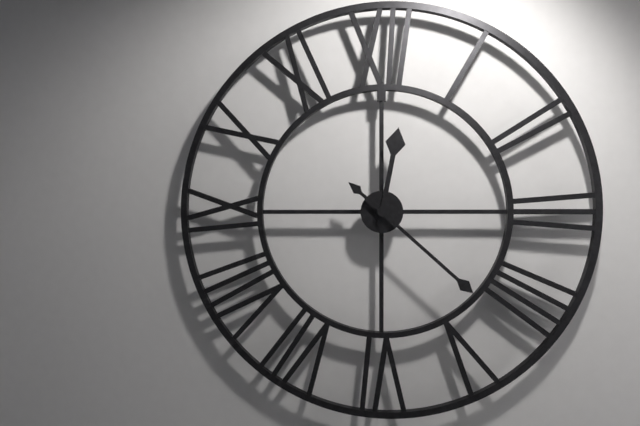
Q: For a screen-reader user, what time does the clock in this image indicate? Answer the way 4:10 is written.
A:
12:22
